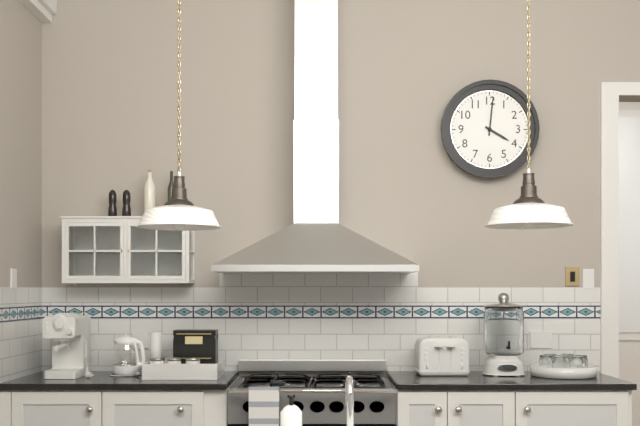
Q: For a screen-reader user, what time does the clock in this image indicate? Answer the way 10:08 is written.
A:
4:01
